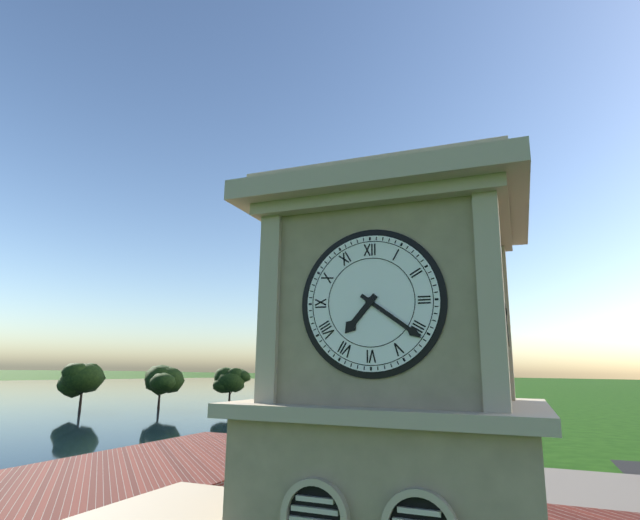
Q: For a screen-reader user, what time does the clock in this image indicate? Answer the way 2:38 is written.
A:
7:21
